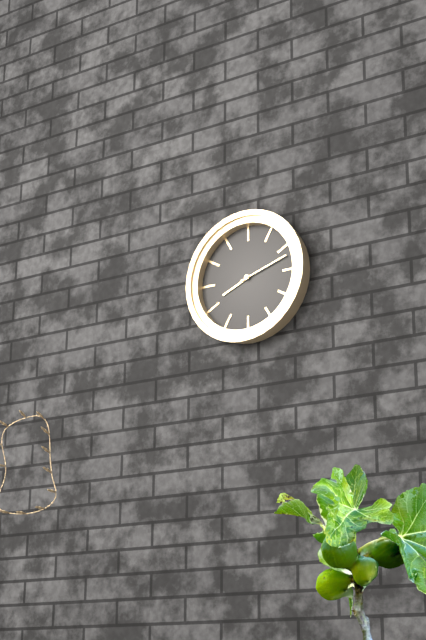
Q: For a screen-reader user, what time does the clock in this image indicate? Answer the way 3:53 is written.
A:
8:12
